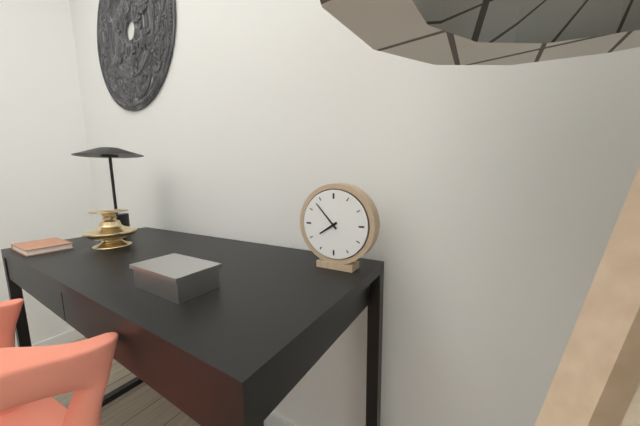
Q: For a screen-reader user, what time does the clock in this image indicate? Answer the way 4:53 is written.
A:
7:53
